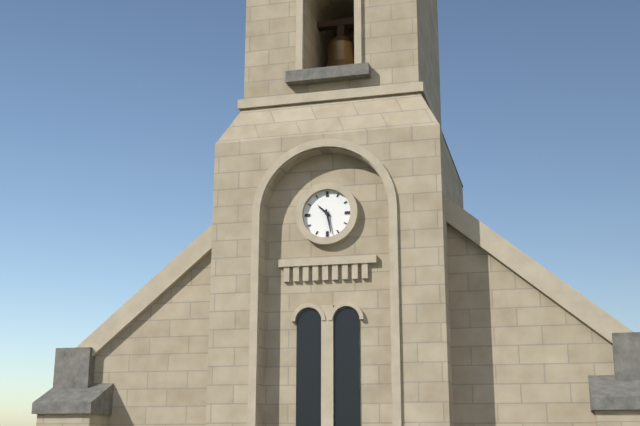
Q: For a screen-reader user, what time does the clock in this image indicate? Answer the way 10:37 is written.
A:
10:28
